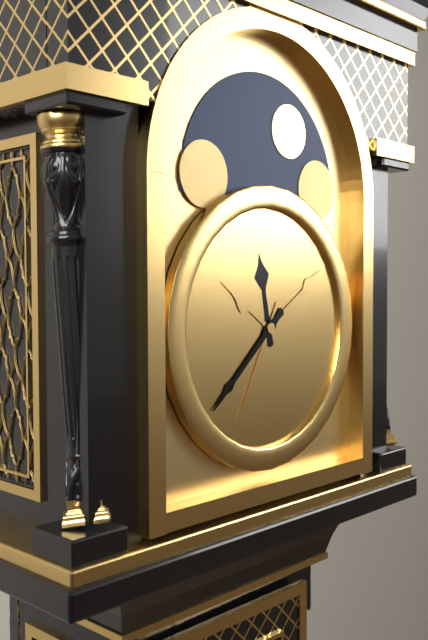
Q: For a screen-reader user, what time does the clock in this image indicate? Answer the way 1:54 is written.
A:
11:38
